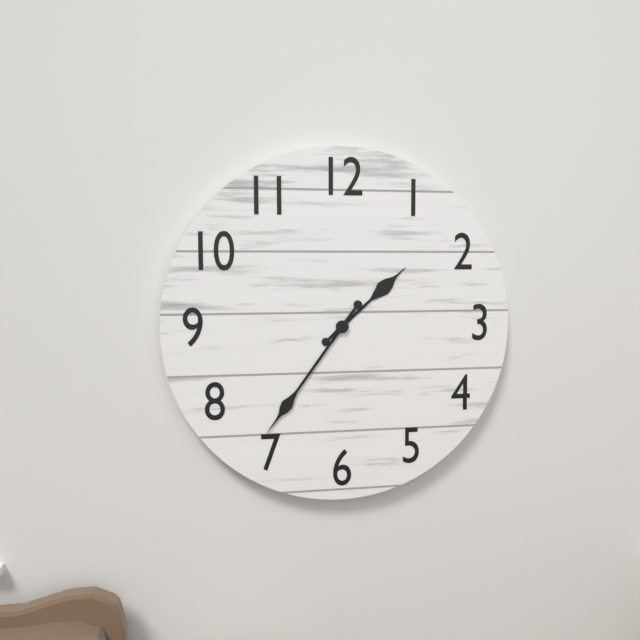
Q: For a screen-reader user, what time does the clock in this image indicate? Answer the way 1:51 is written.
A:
1:36
